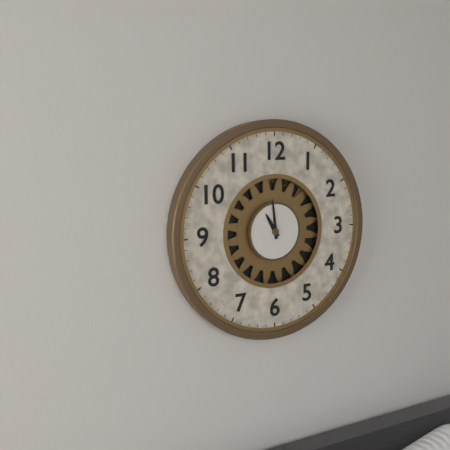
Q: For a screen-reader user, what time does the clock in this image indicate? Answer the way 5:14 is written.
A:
10:59
